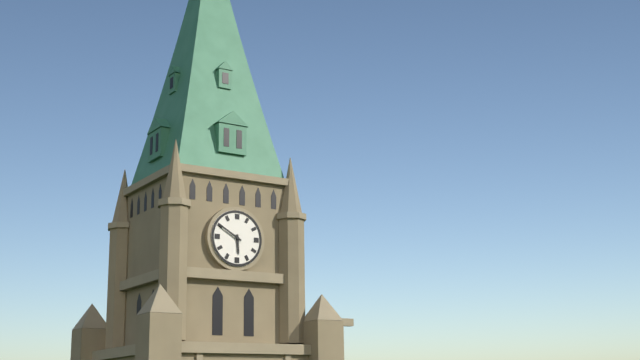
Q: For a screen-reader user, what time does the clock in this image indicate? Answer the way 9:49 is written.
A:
5:50
